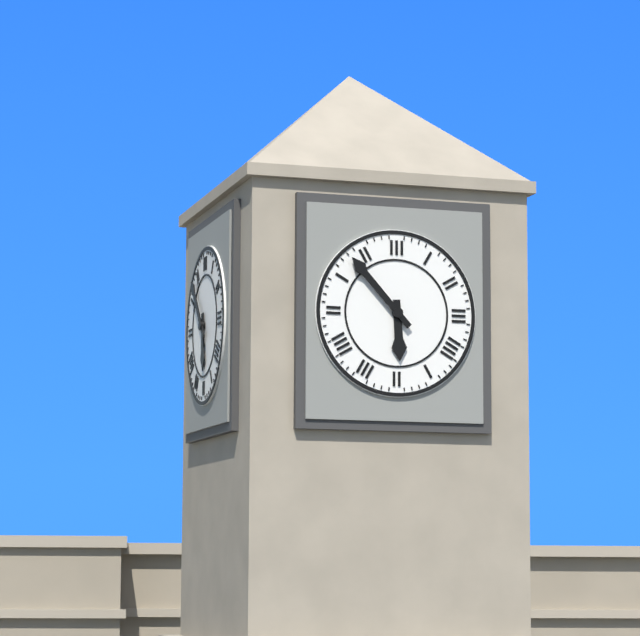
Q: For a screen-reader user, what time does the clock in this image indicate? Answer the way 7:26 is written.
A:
5:53
